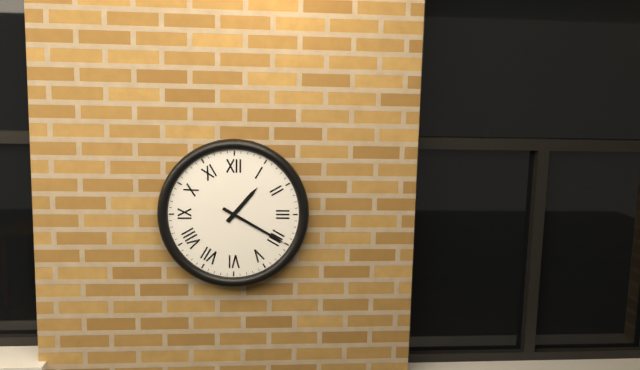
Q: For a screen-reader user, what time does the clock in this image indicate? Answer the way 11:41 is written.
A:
1:20
